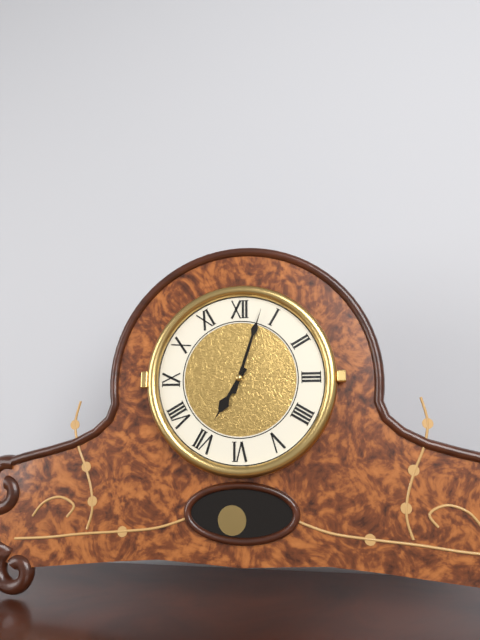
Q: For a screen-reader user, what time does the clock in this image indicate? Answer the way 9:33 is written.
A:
7:03
